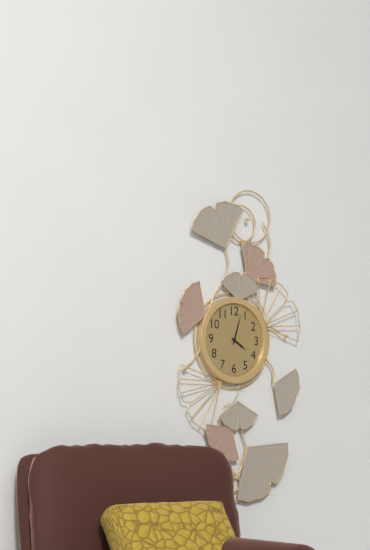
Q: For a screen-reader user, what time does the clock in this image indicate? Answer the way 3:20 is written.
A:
4:03
